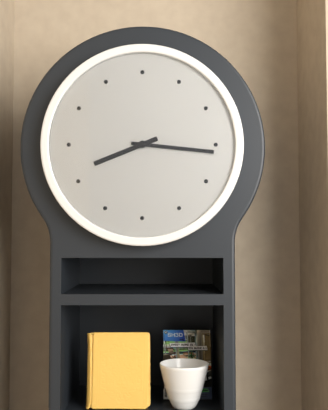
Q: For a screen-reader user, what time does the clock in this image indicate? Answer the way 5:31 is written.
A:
8:16
